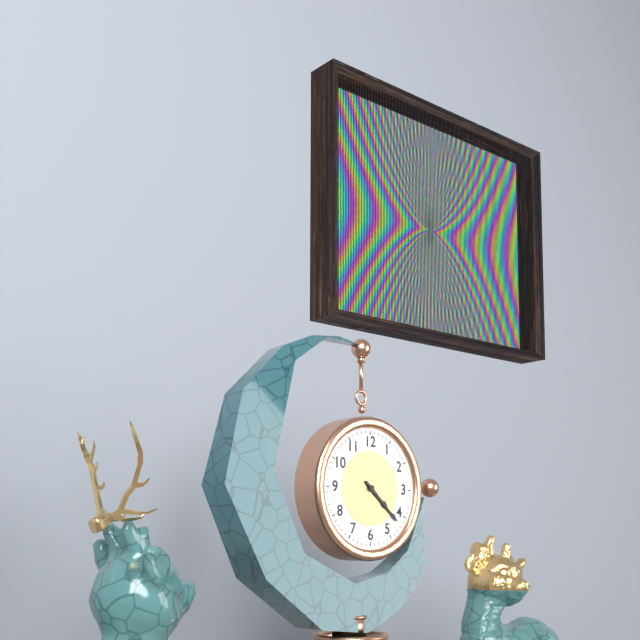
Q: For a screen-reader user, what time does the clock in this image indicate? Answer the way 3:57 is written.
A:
4:22
